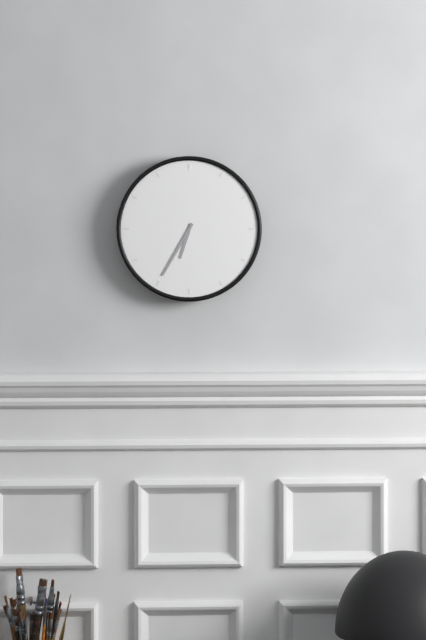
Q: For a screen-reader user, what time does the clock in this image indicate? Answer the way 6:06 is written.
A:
6:35
